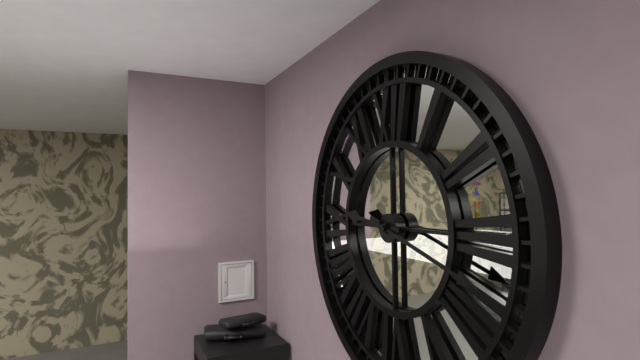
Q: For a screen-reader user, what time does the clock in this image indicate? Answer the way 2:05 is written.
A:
9:18
